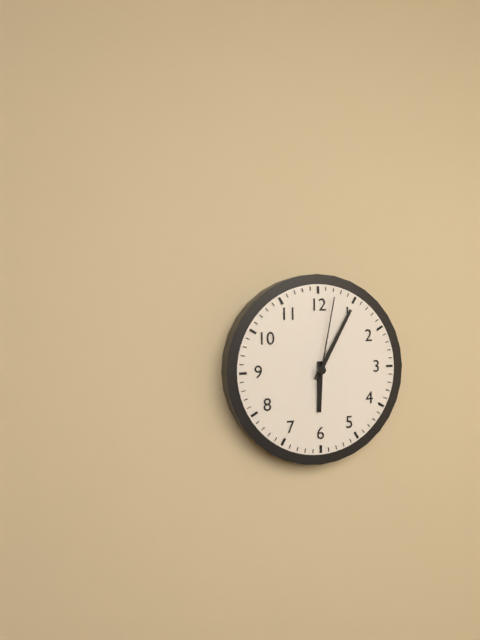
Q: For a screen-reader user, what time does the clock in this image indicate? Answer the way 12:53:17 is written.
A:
6:05:02
